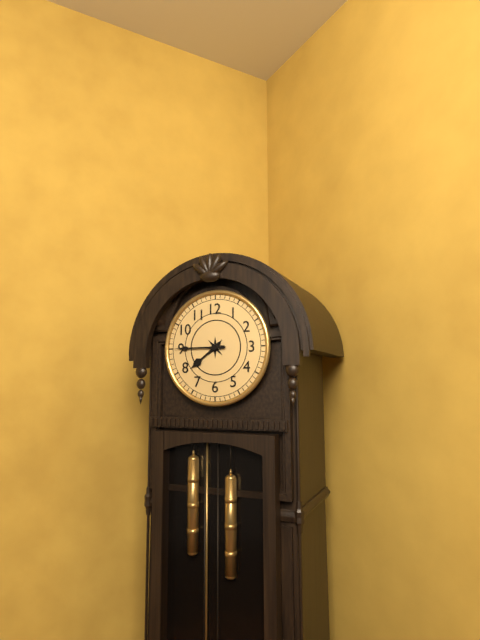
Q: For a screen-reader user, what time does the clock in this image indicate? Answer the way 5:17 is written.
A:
7:45
